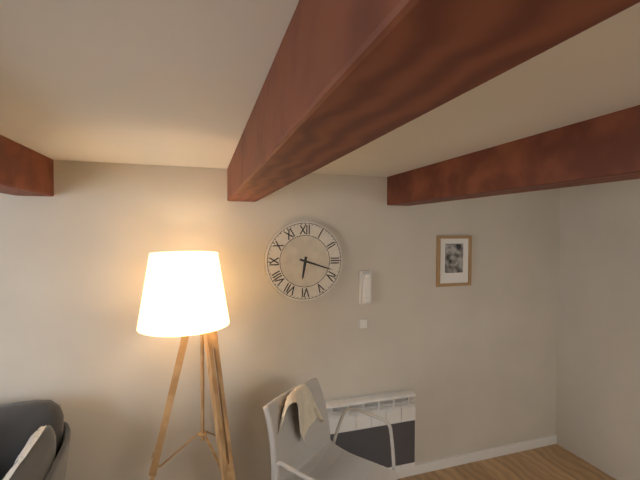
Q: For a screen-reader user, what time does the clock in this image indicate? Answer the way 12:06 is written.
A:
6:18
